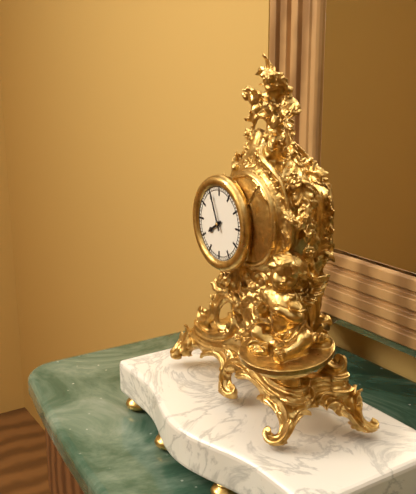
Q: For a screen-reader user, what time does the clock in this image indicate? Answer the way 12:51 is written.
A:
7:56
